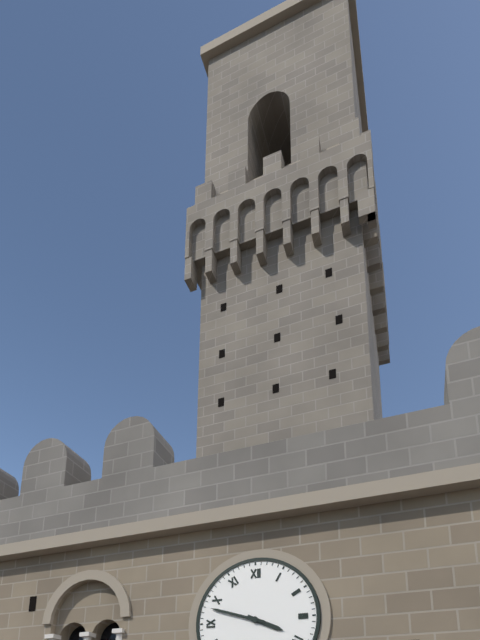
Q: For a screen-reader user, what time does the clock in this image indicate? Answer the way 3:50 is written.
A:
3:48
